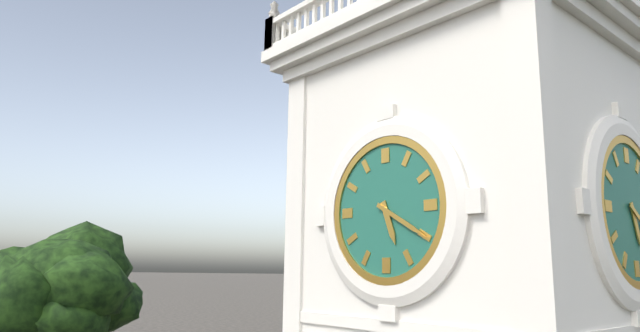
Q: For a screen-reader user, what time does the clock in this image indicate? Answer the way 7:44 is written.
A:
5:20
